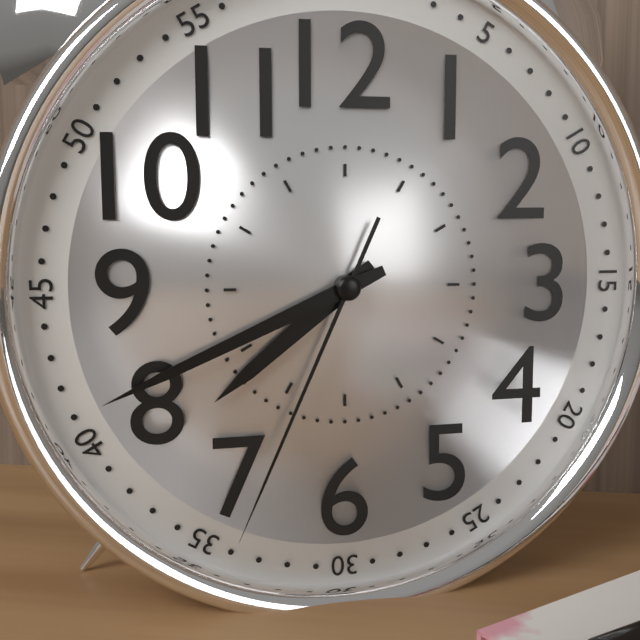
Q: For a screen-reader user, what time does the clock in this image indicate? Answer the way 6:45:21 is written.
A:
7:41:34
